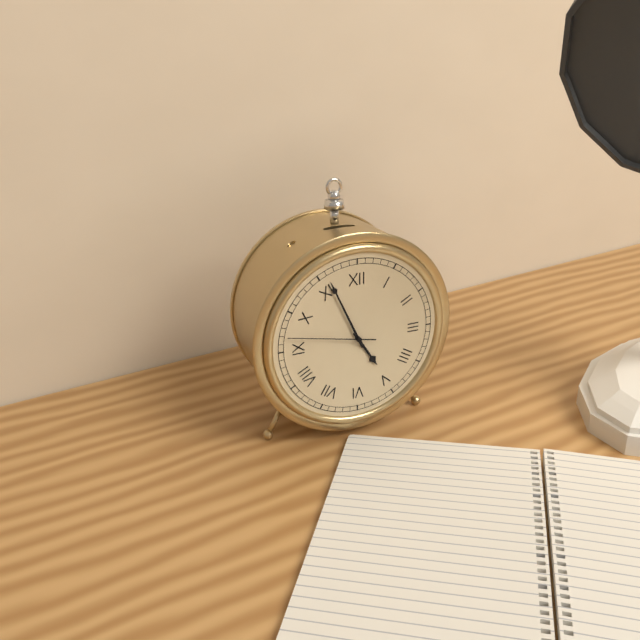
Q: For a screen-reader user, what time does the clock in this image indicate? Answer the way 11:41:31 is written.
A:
4:56:47
